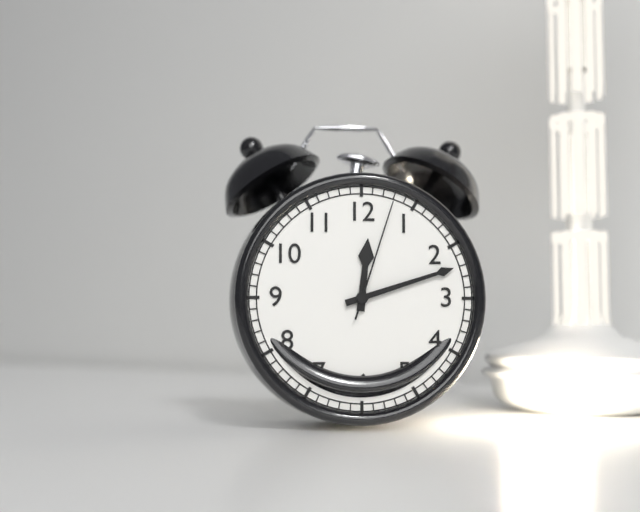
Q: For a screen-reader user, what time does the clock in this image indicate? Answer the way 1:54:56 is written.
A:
12:12:03
